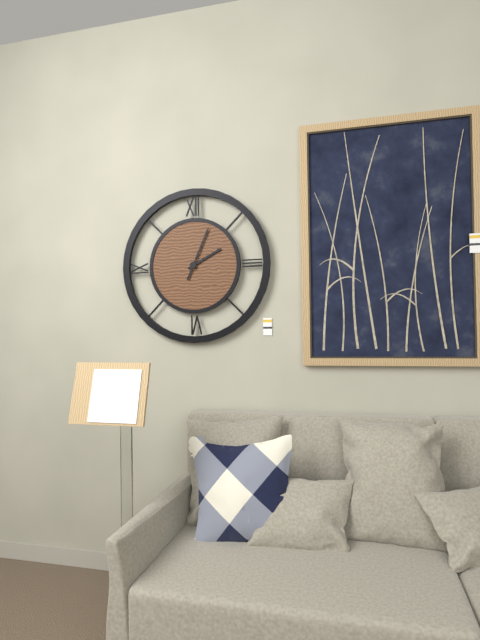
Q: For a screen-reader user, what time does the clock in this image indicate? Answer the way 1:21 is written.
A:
2:04
